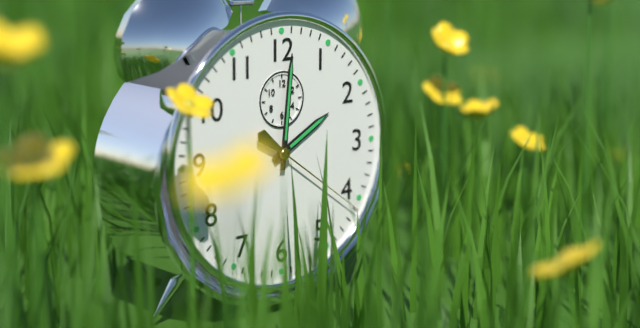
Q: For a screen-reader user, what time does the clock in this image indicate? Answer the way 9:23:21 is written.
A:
2:01:21
